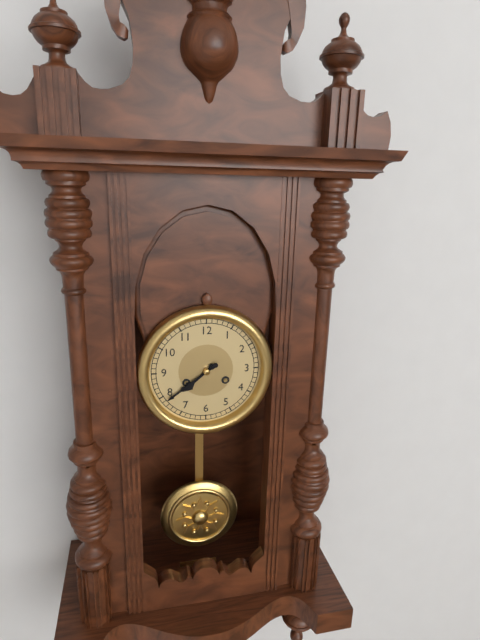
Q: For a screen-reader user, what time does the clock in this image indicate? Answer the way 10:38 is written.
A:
7:39
